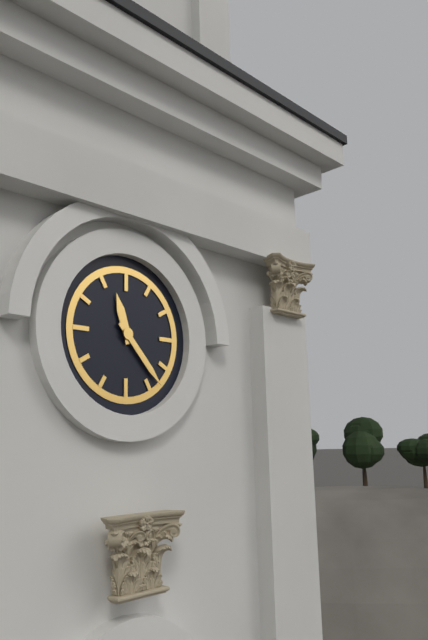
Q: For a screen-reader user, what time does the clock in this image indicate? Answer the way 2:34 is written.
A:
11:23
